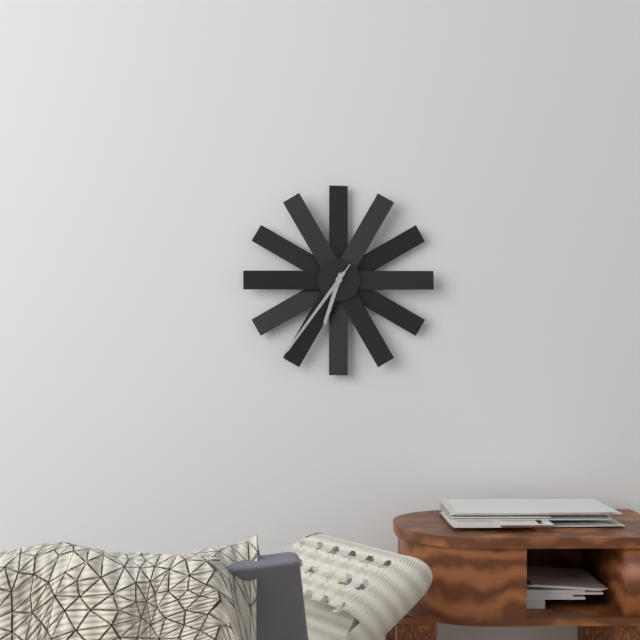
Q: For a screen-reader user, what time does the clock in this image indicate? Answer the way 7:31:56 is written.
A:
6:36:36
